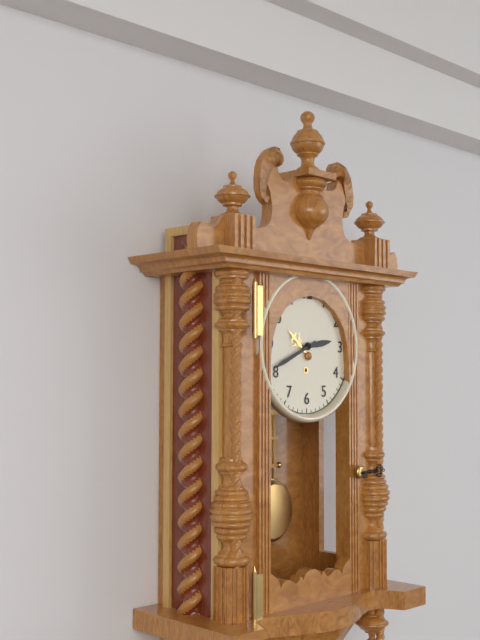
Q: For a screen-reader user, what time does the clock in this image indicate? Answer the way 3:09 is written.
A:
2:41
